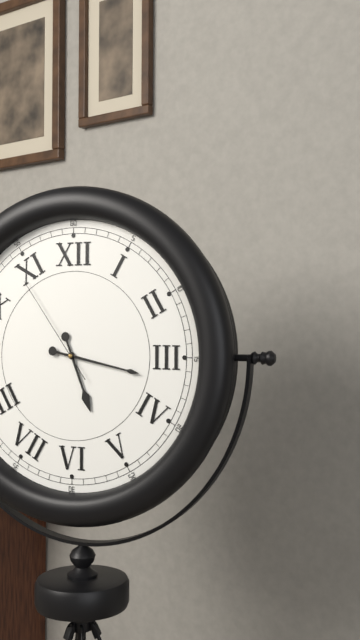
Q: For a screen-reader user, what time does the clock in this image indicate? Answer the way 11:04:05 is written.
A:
5:17:54
